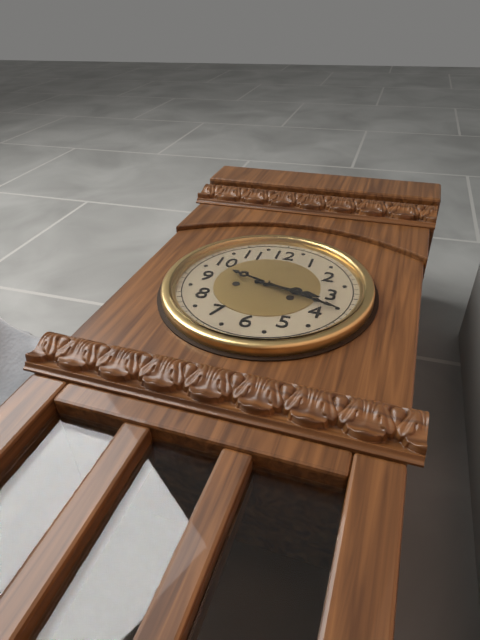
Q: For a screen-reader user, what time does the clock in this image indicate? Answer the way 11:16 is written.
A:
3:18
